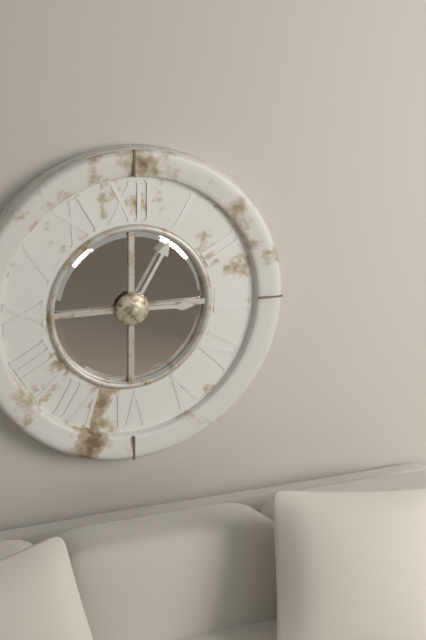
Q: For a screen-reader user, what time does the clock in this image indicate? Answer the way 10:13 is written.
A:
3:05
